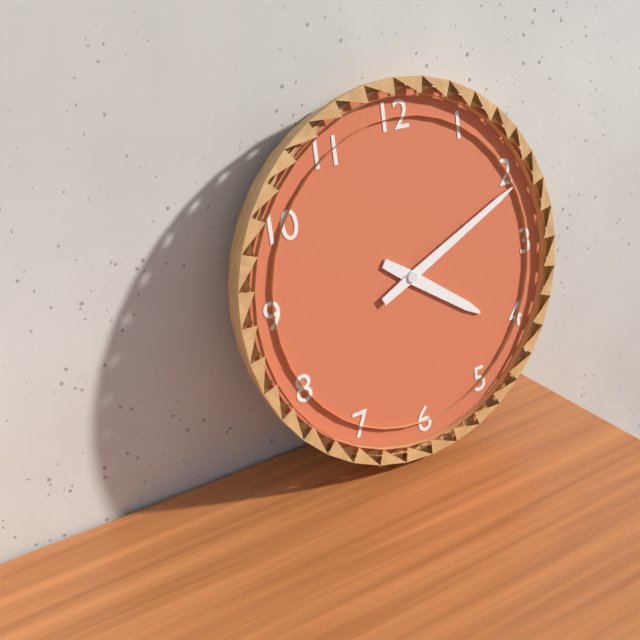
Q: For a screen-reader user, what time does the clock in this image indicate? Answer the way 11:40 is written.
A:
4:11
